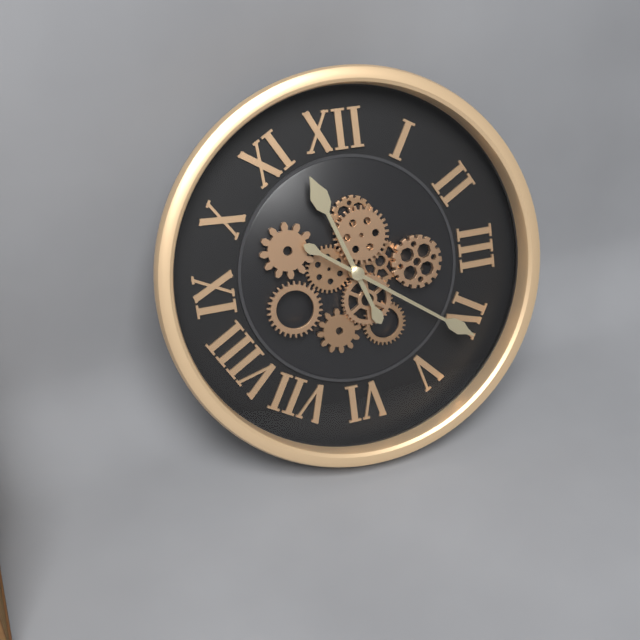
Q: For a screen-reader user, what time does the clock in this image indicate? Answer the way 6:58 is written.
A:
11:21
